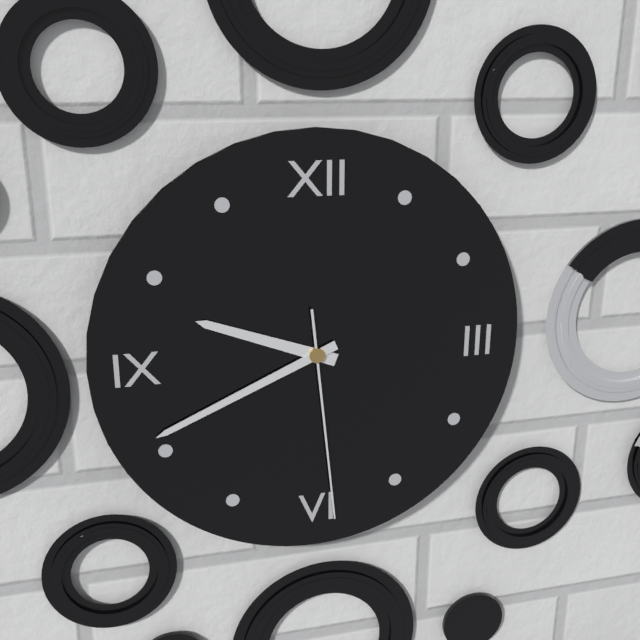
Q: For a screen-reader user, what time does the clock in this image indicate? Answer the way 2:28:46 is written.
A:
9:41:29
